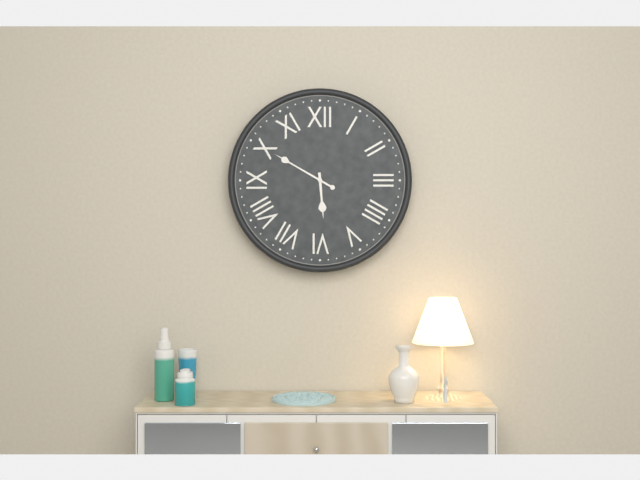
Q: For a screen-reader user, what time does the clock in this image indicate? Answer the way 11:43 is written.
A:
5:50
